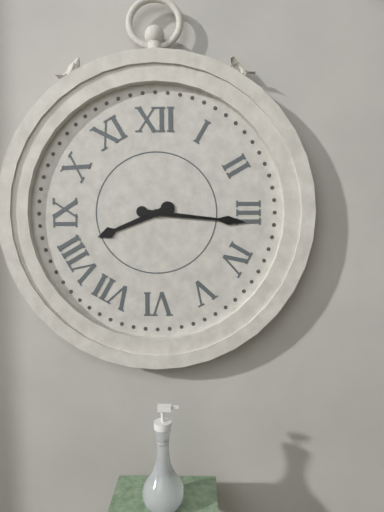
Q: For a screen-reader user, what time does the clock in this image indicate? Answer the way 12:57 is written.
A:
8:16
